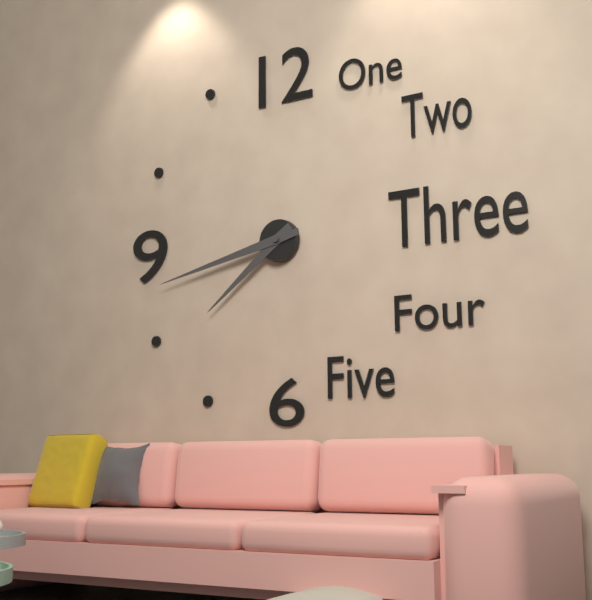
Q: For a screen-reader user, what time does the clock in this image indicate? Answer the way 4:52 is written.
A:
7:43
